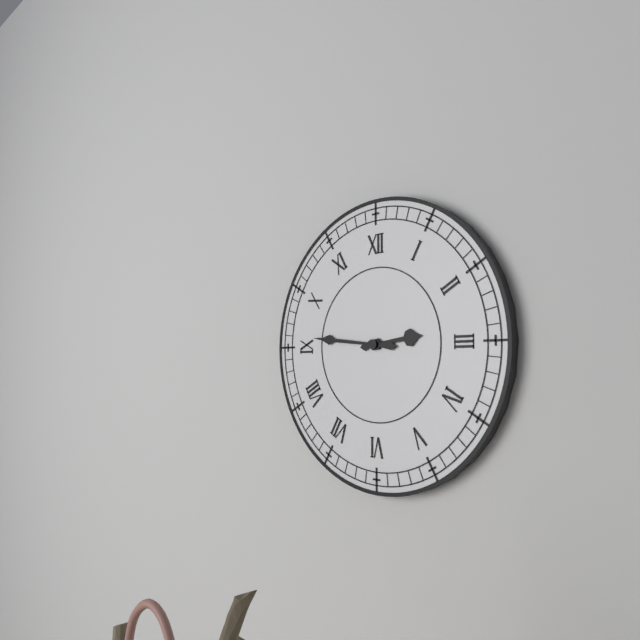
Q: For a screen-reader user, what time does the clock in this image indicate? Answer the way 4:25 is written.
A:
2:46
